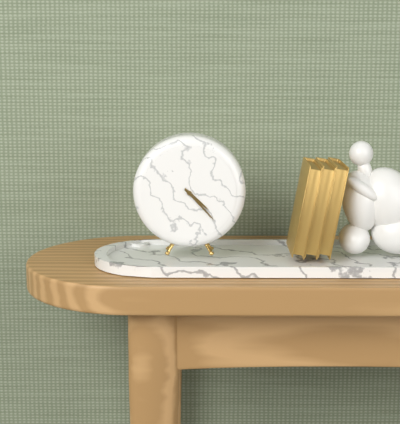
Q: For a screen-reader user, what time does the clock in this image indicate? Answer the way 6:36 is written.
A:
4:23
